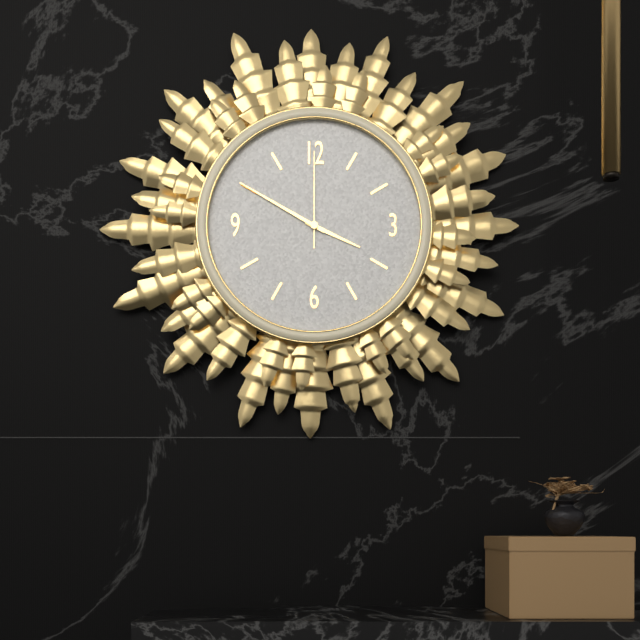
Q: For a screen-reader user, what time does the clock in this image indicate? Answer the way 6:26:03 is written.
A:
3:50:00
